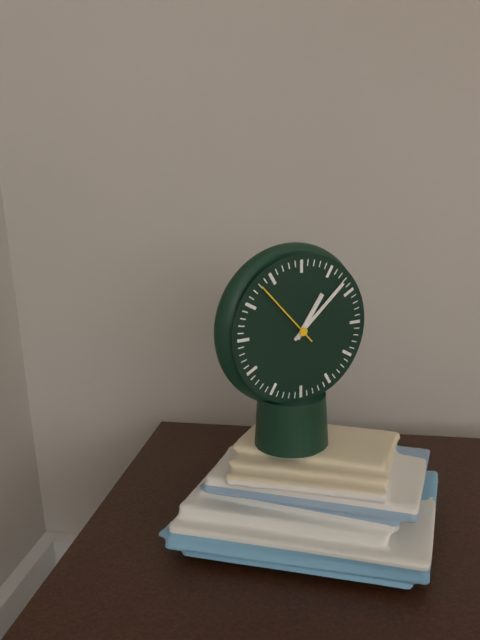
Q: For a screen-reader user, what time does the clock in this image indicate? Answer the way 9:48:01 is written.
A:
1:08:53
